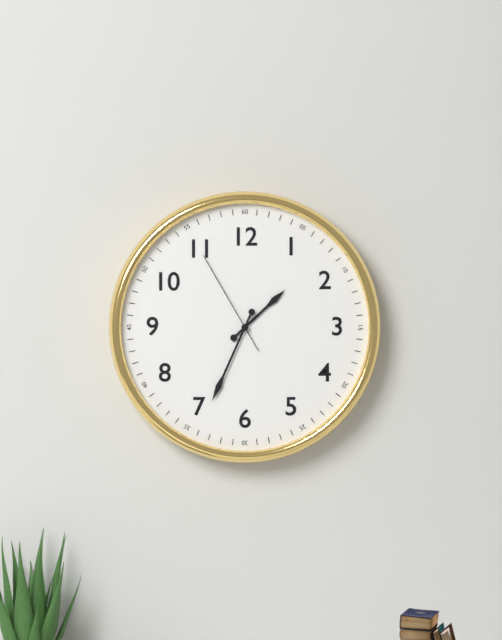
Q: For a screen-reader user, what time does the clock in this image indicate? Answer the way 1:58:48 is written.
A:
1:34:55
